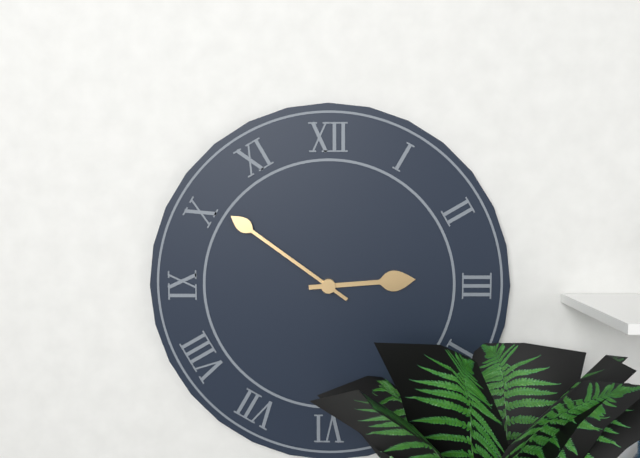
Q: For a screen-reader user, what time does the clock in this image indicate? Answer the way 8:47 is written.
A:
2:51
